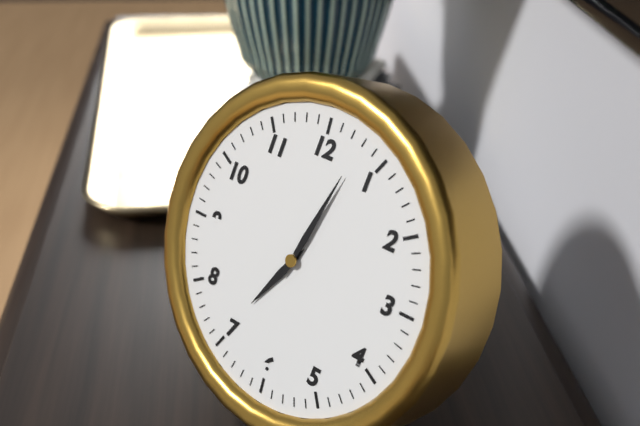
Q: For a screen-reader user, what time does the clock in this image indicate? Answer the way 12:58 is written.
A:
7:03
